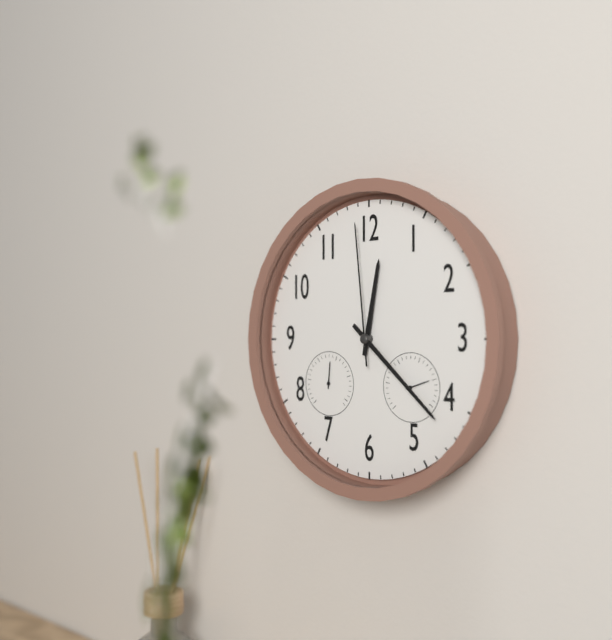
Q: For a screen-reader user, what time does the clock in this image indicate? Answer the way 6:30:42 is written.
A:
12:22:59
